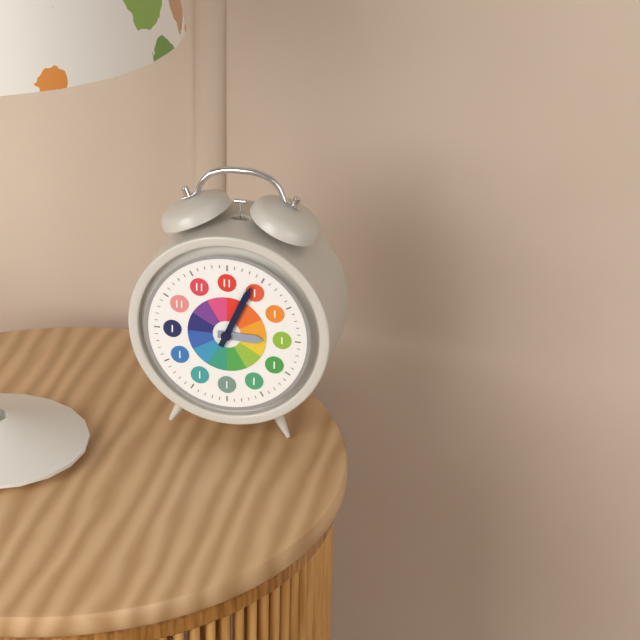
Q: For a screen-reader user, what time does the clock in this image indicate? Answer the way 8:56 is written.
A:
3:04
